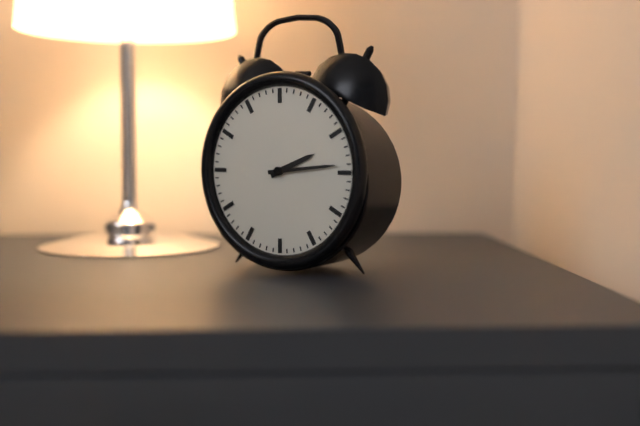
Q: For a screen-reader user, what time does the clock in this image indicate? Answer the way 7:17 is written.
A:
2:14
